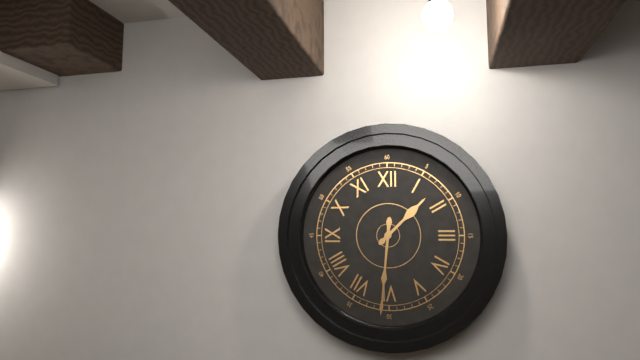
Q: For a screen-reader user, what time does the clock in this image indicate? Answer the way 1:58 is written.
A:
1:31
